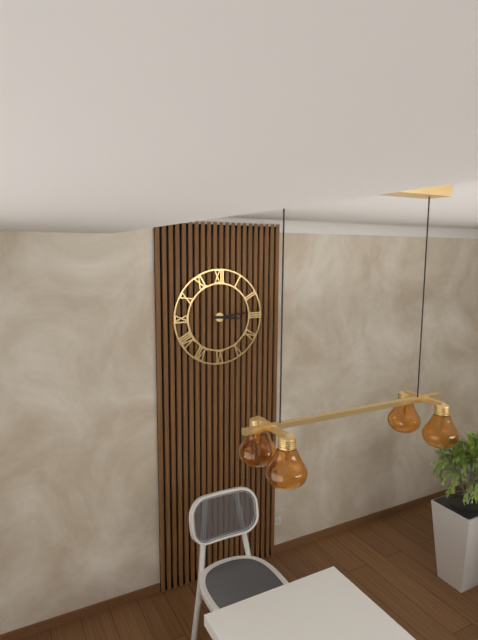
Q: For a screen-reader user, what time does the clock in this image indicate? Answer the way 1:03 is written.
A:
3:14
